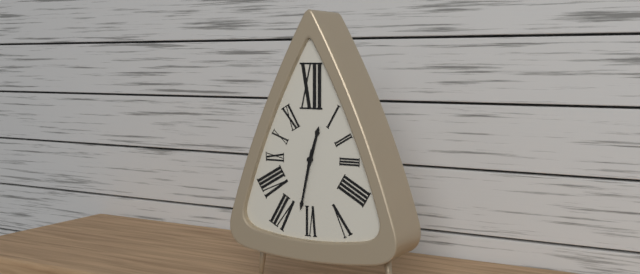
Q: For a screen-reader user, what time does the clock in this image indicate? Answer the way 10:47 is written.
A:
12:32
